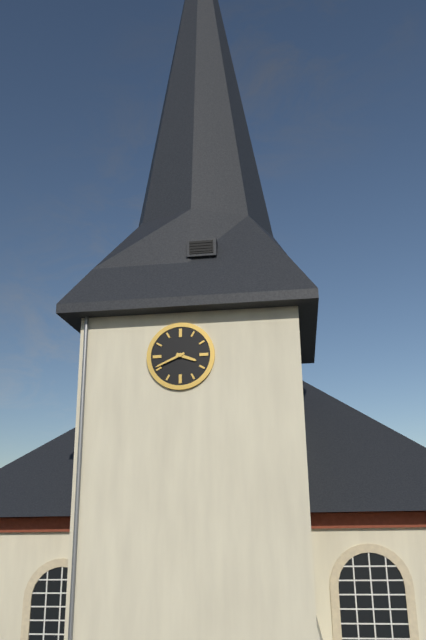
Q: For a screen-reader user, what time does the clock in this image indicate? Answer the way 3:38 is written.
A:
3:41
